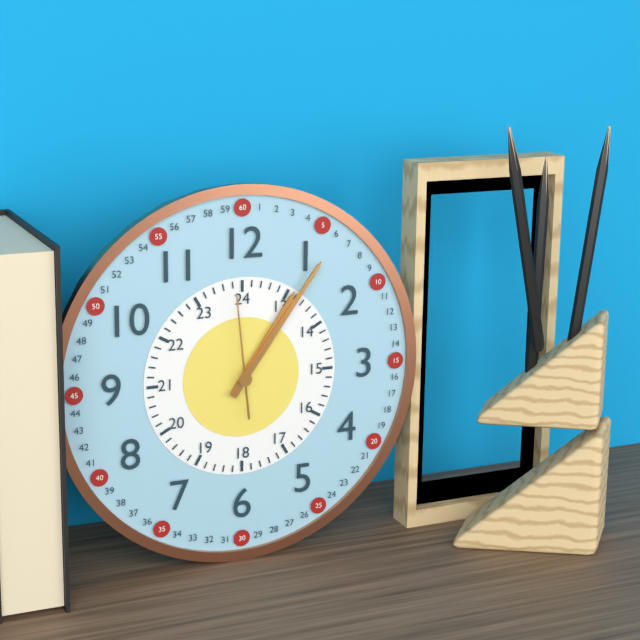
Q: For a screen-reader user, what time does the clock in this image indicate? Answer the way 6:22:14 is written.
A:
1:06:59
